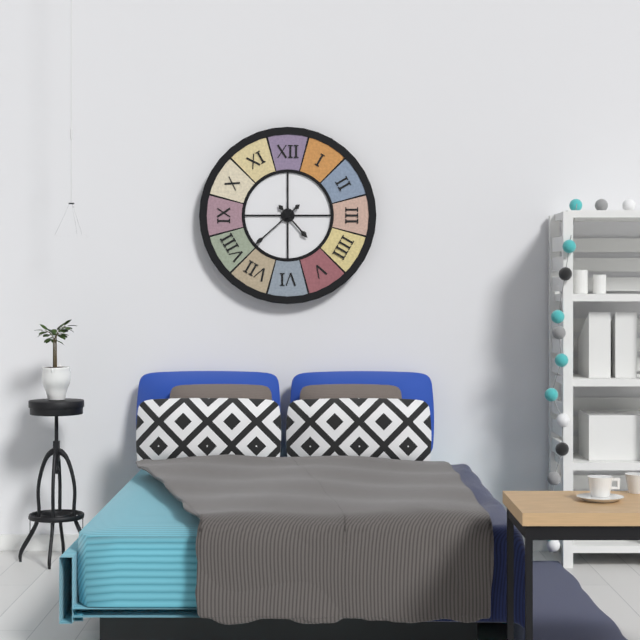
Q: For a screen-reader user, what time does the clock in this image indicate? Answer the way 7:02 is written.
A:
4:38
